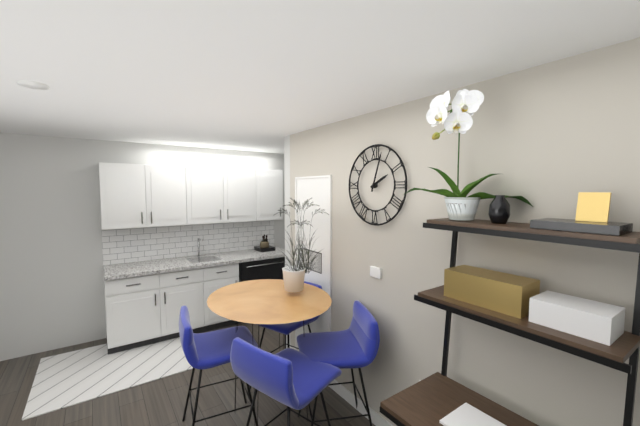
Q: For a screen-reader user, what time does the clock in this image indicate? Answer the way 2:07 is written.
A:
2:03
